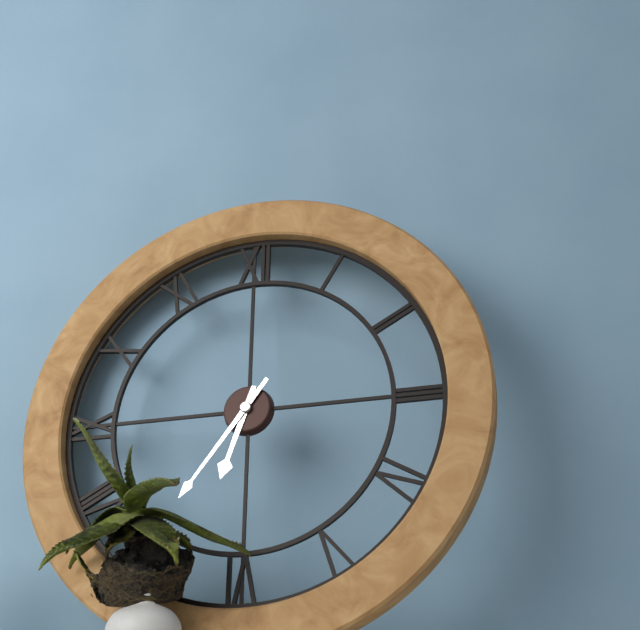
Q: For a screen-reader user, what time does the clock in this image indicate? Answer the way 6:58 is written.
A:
6:36
